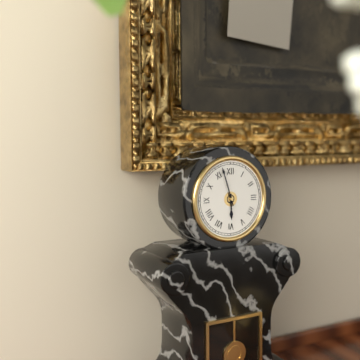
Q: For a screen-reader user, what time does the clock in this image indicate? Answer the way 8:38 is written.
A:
5:57
